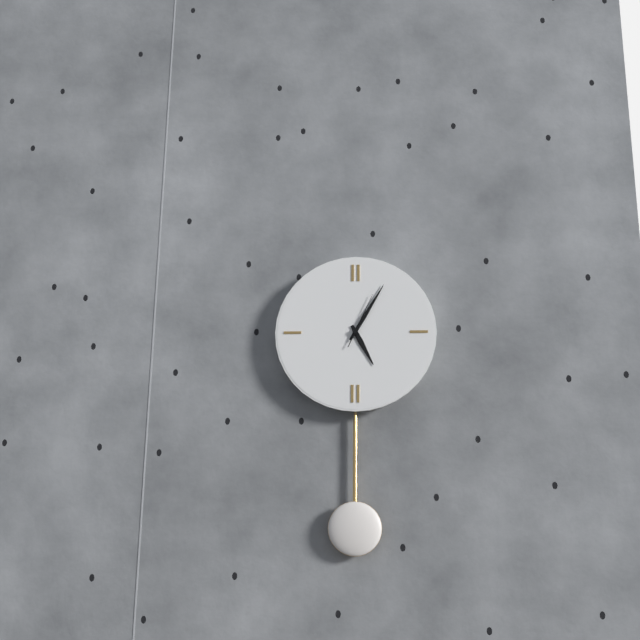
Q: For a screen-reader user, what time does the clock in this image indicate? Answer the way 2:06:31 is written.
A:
5:05:04
